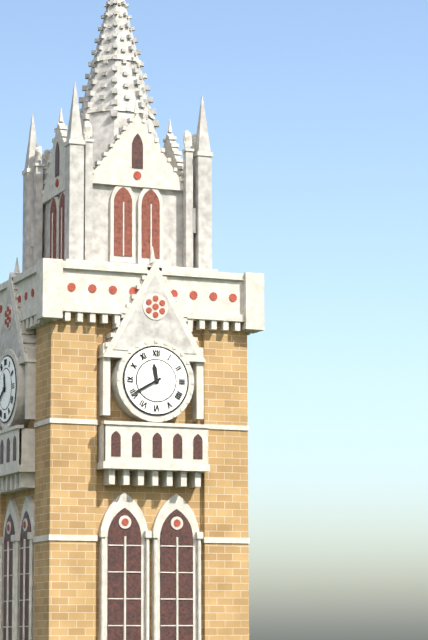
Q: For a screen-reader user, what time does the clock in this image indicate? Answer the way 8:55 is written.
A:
11:40
